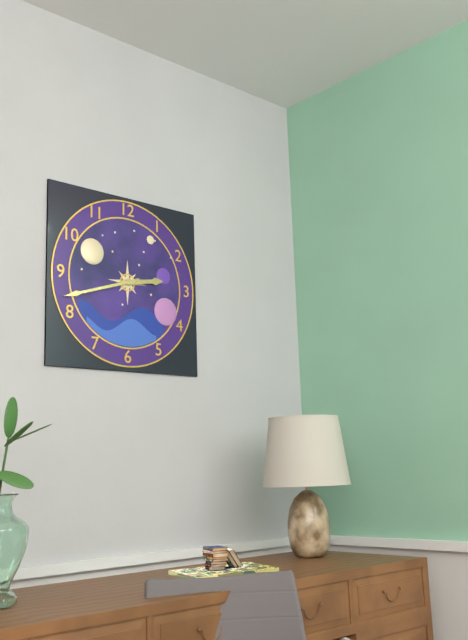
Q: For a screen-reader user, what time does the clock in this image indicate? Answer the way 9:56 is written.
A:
2:42
